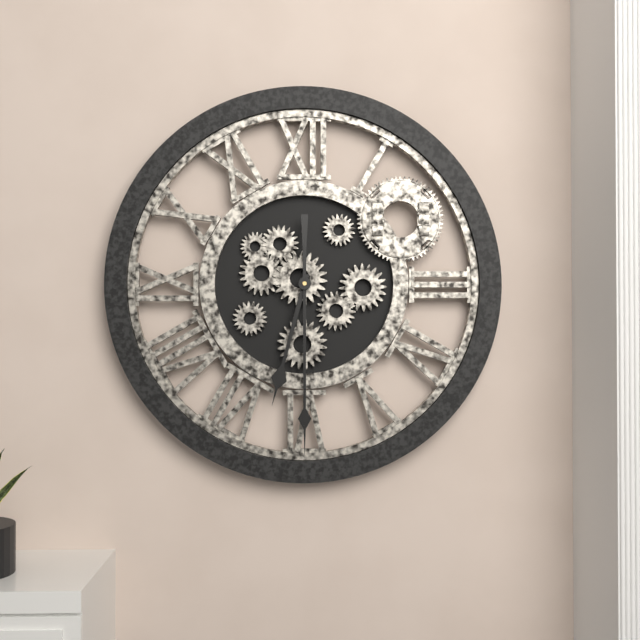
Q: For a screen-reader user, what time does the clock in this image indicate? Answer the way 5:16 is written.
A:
6:30
